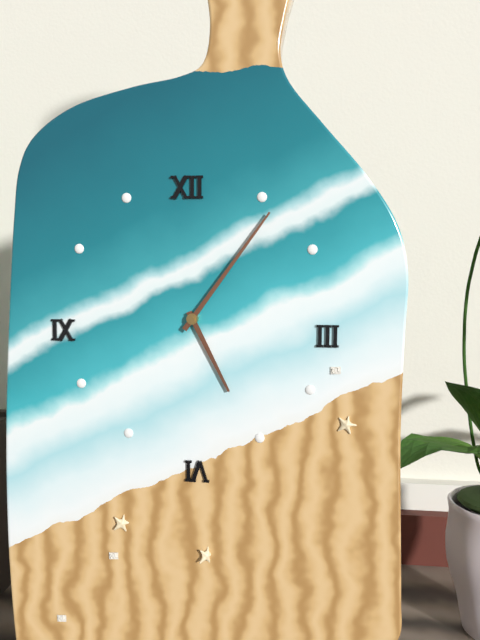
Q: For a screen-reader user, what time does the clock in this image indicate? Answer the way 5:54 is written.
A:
5:06
